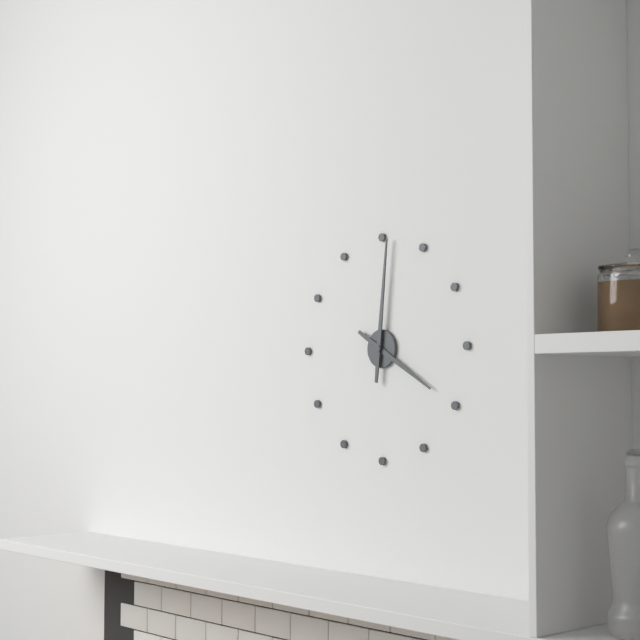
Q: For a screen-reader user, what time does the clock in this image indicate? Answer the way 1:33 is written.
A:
4:01
